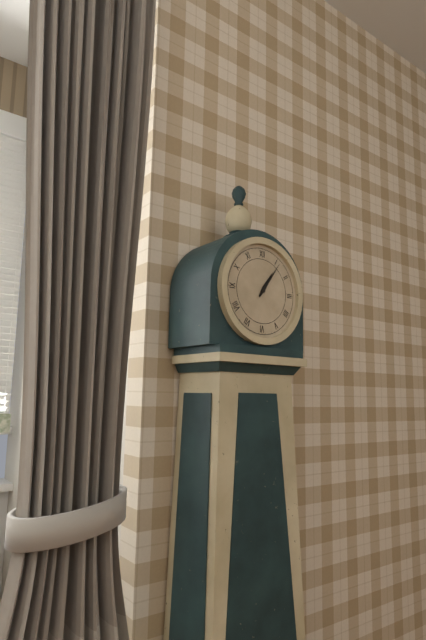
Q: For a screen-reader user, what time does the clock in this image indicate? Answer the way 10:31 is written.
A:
1:06
